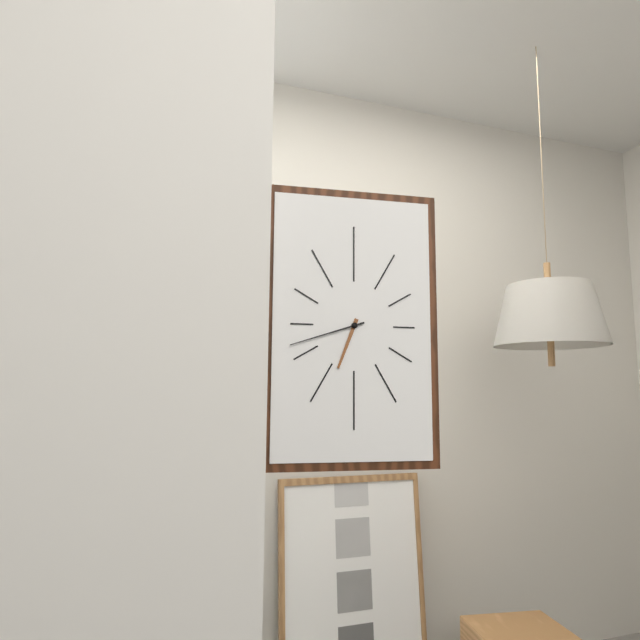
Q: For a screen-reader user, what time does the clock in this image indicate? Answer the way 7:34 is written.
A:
6:42
